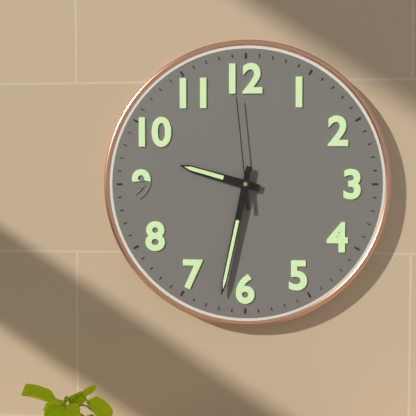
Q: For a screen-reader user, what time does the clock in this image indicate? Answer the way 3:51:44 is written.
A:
9:32:59
